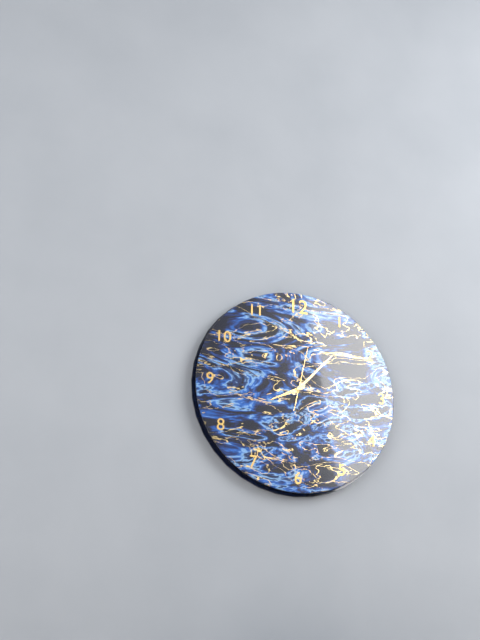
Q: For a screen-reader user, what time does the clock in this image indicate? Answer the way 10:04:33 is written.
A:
8:07:02
